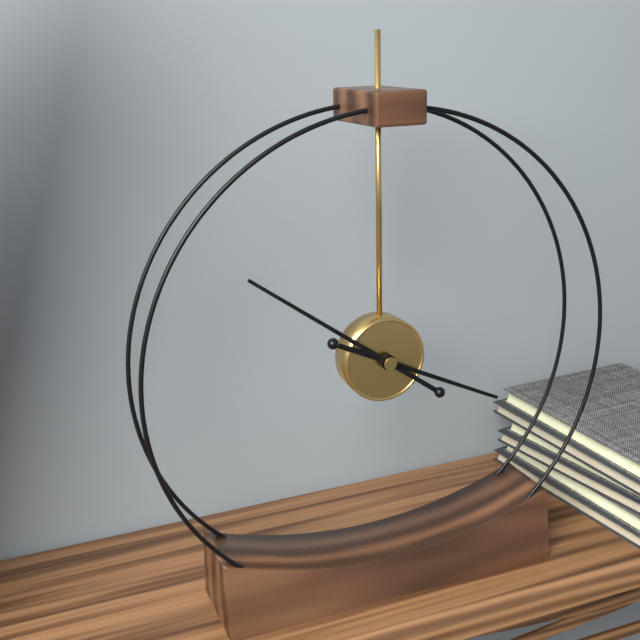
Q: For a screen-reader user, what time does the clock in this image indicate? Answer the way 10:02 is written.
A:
3:51
